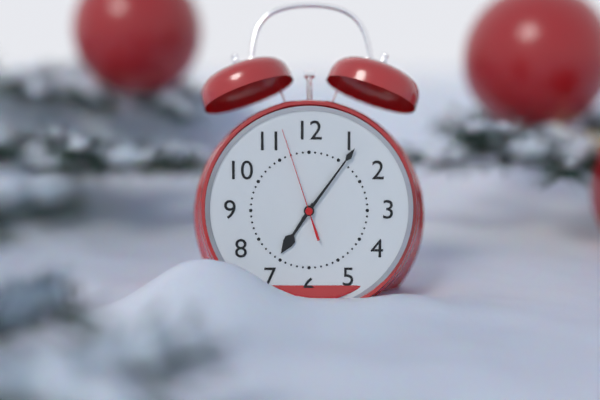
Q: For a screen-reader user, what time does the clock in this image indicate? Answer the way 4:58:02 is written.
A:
7:06:57
